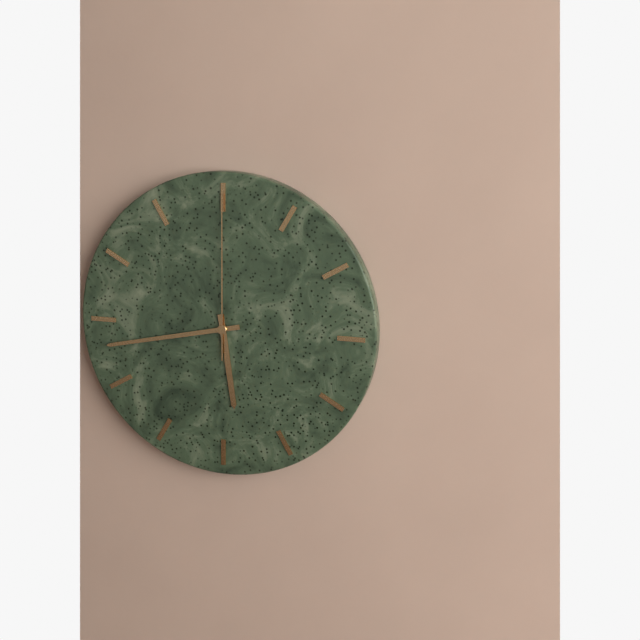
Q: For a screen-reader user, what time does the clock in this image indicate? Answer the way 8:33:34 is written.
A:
5:43:00
